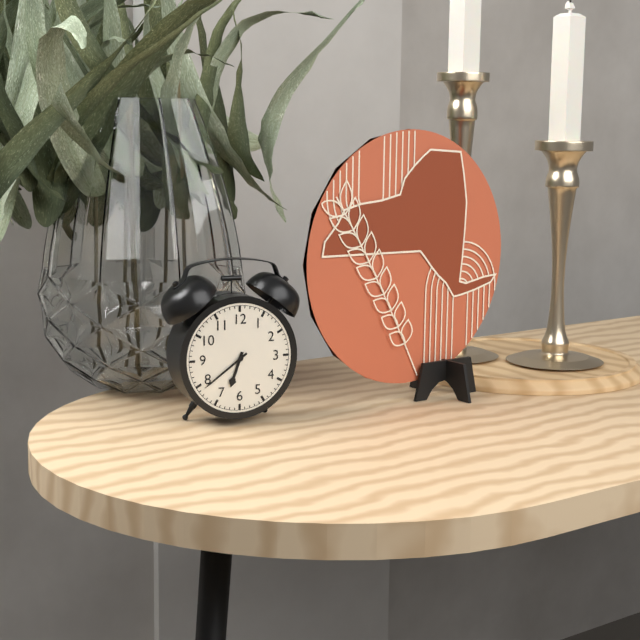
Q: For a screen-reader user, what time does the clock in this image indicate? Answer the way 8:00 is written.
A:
6:39
